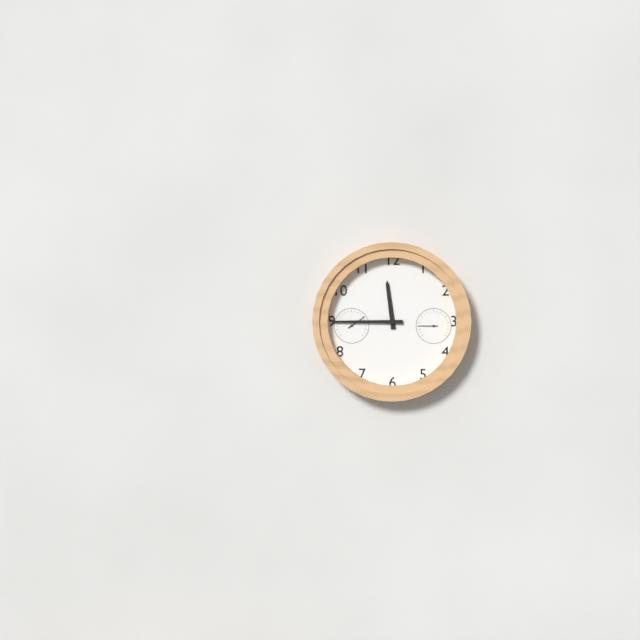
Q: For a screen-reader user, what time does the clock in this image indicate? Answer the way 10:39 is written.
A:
11:45
